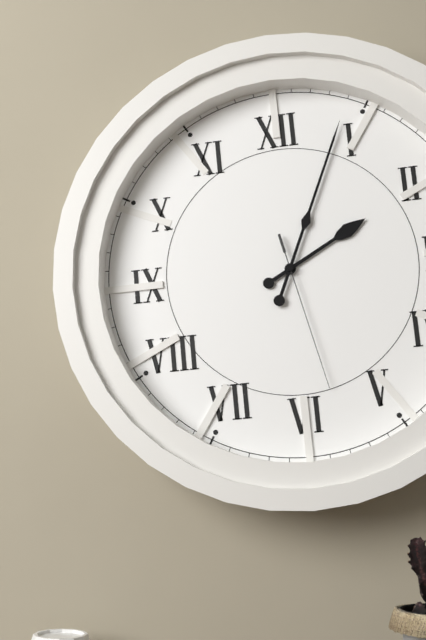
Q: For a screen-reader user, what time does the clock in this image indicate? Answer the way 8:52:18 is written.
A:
2:04:28
